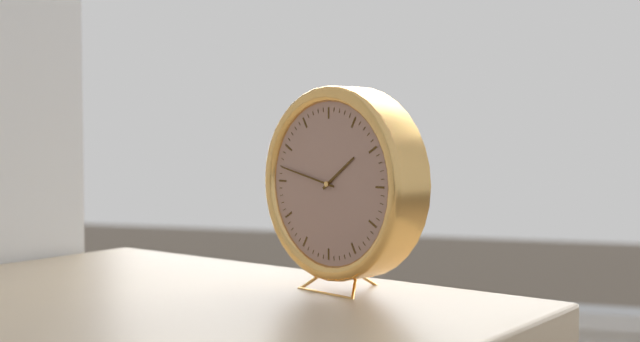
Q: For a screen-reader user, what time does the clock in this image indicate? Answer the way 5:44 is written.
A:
1:47
